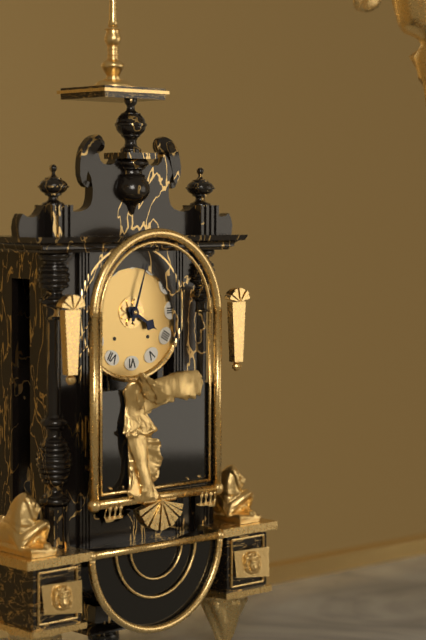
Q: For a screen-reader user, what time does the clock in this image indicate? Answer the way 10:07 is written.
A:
4:03
